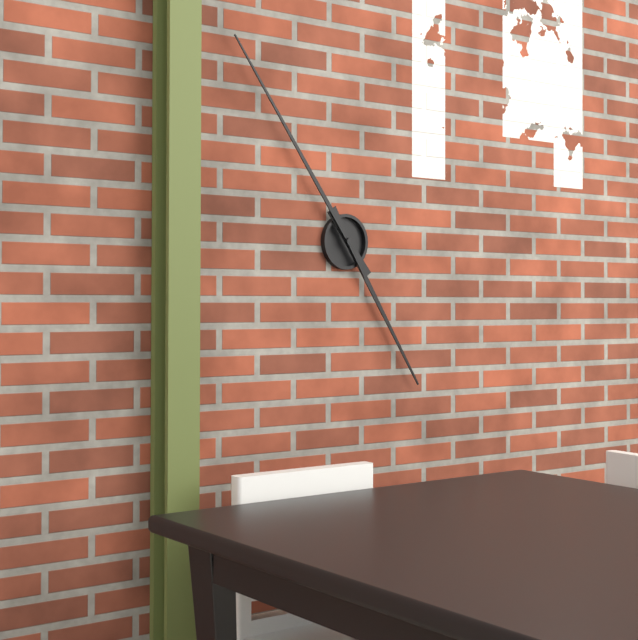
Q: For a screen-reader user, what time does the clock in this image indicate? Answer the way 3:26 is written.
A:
4:54
